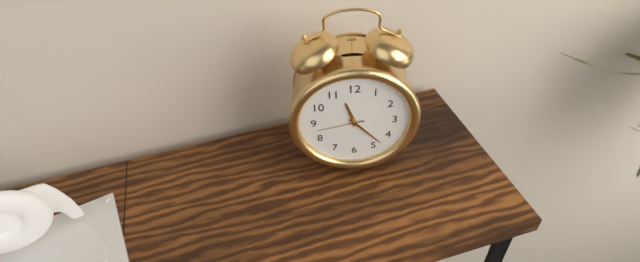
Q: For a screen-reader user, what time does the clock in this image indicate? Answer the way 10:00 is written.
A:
11:23
